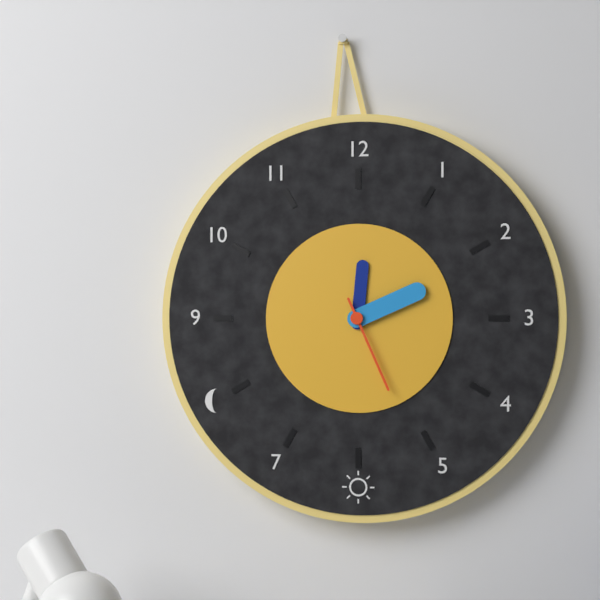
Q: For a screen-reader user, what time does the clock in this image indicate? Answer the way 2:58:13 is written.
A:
12:11:26
